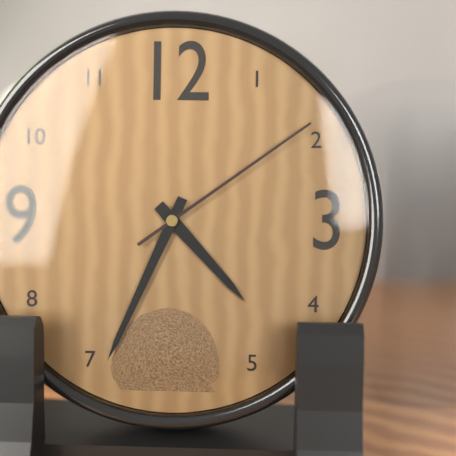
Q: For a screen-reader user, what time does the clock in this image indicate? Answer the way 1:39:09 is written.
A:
4:34:09
